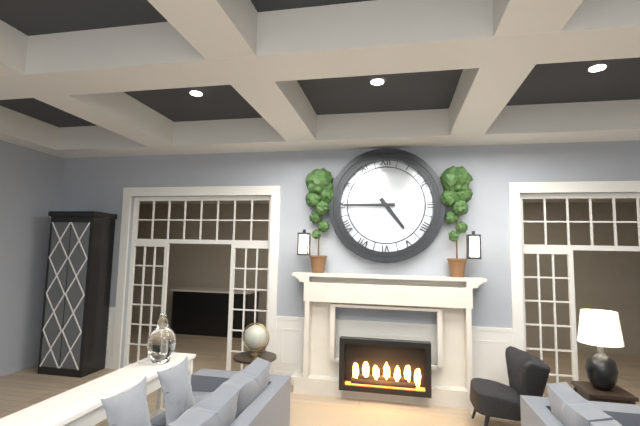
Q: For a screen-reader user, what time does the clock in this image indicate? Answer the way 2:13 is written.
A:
4:45
